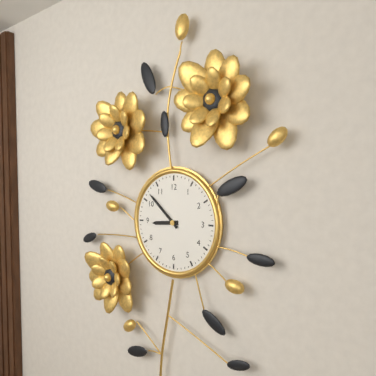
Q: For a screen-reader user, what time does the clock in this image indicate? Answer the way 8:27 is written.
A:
8:52
